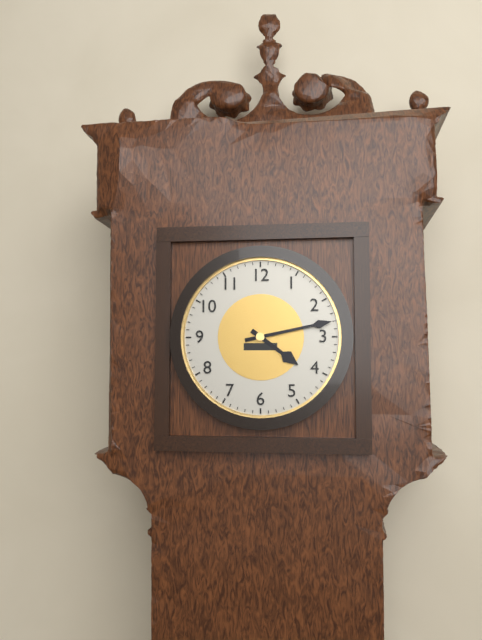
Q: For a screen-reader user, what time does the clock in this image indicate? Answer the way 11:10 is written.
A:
4:13
